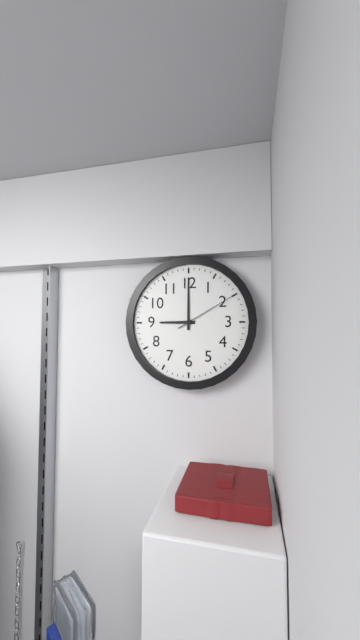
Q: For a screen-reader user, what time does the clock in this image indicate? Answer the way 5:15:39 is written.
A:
9:00:10
